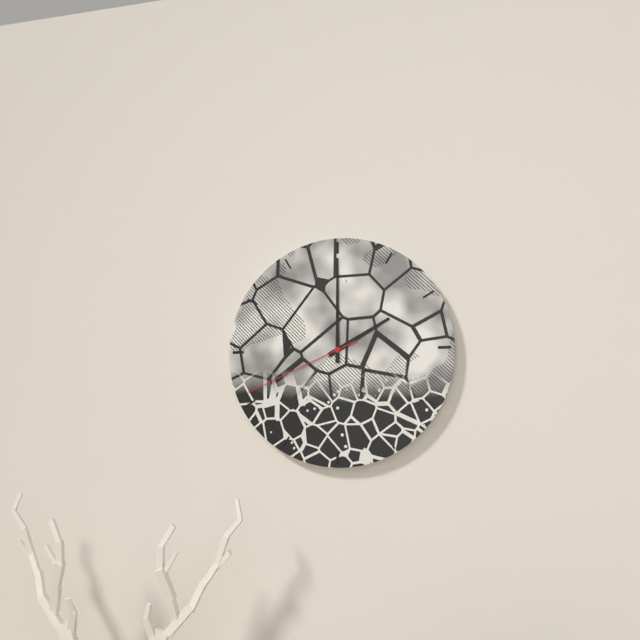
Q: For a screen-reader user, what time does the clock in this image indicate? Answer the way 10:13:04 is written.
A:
2:00:41
